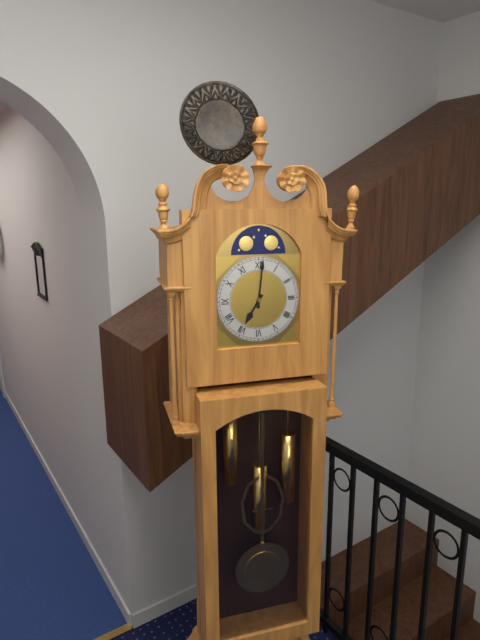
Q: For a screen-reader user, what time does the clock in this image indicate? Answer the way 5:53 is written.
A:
7:01
